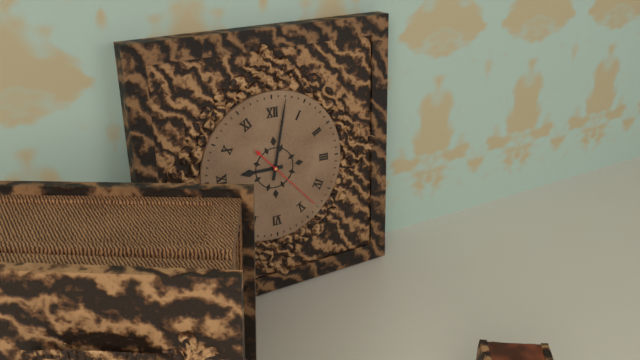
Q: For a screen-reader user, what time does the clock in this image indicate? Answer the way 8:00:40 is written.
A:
9:02:23
